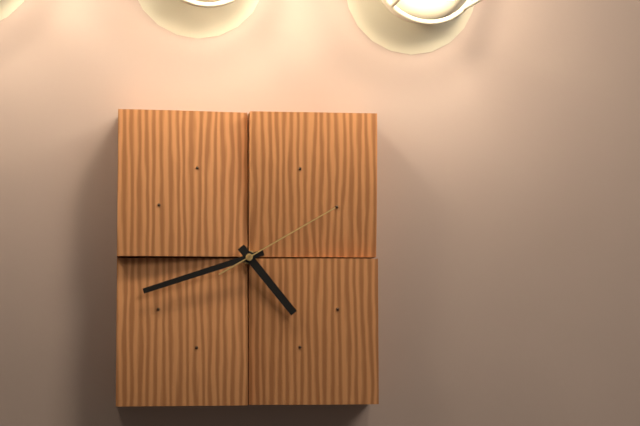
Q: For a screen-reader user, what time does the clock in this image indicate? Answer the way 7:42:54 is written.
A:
4:42:10
